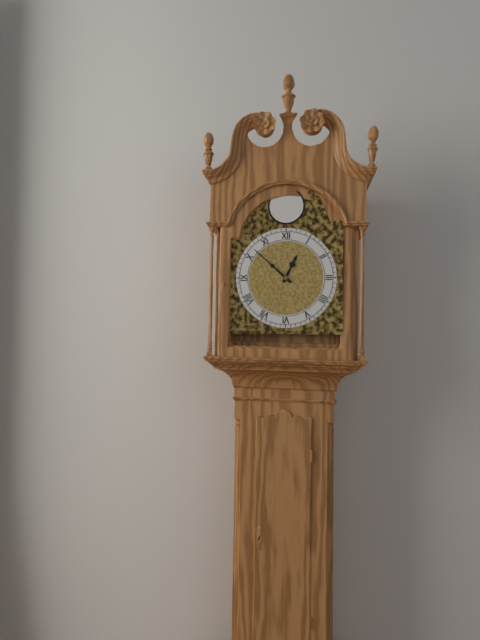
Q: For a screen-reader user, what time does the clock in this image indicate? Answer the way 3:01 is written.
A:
12:52
